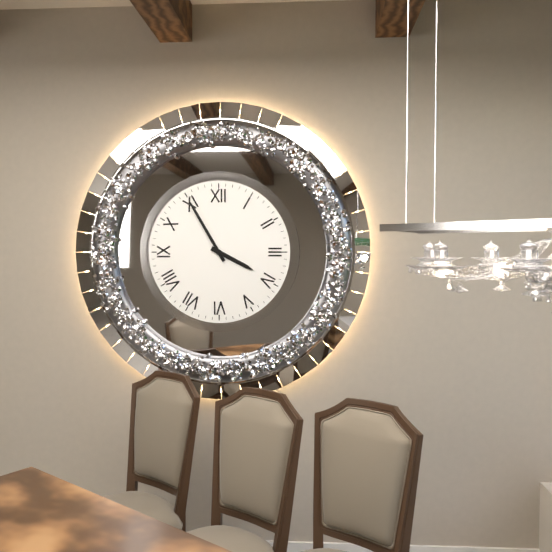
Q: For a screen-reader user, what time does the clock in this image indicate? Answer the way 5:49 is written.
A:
3:55
